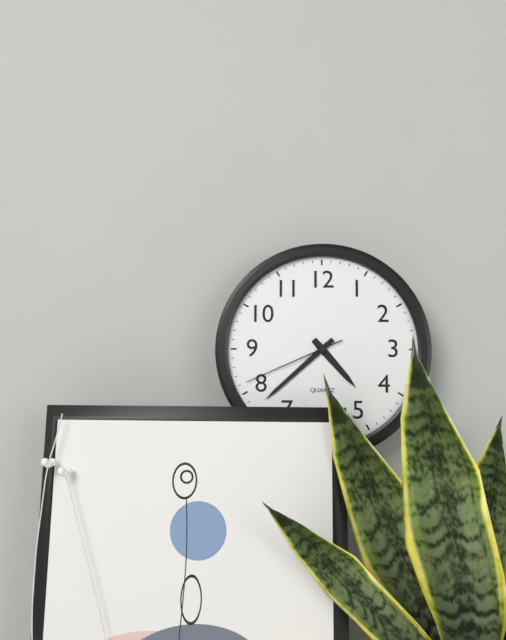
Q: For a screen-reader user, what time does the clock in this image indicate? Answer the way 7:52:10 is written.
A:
4:38:41
